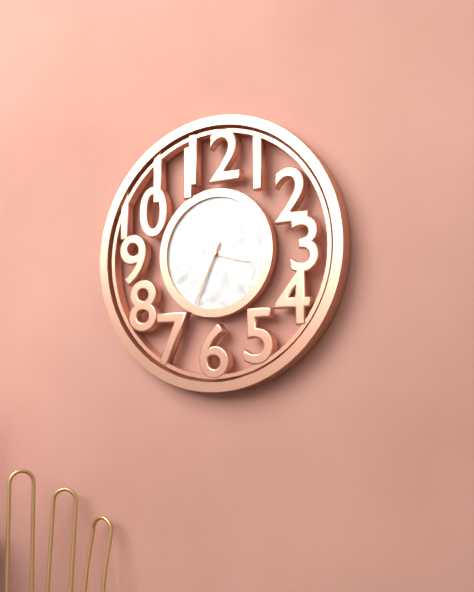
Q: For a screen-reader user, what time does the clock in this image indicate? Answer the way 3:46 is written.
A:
3:34
